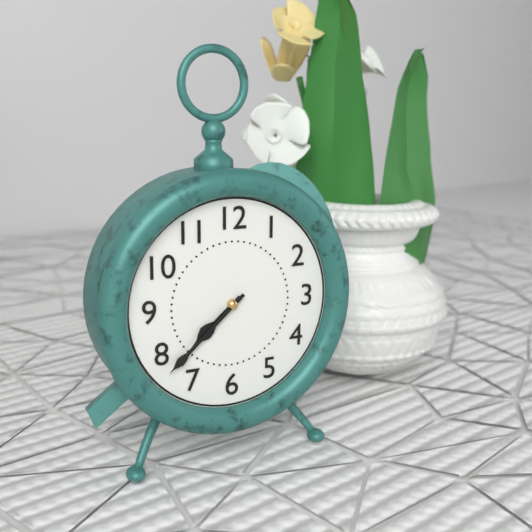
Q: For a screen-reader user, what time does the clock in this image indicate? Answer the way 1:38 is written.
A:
7:38
